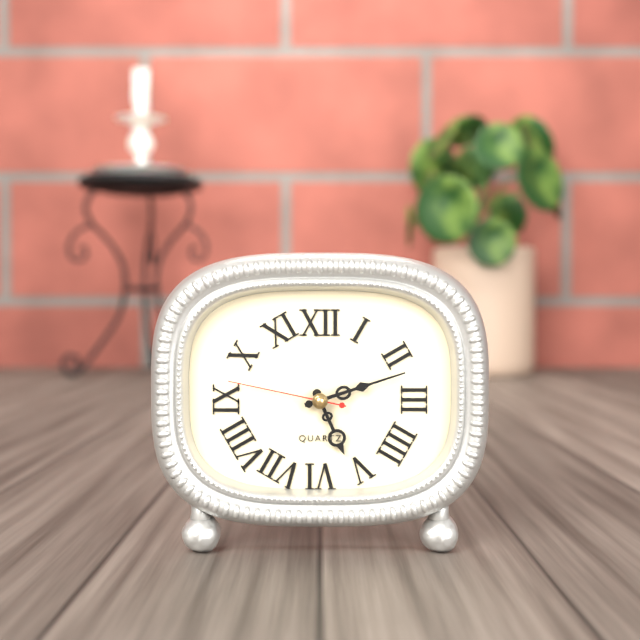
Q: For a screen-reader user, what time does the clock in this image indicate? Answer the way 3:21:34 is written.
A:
5:12:47
